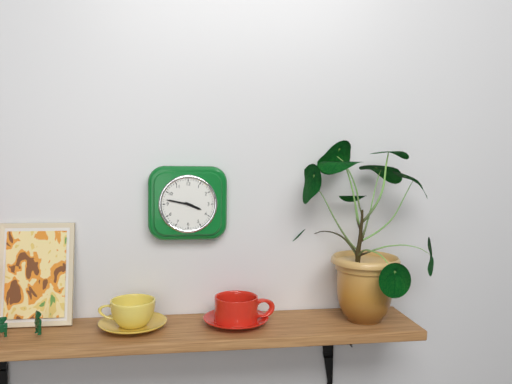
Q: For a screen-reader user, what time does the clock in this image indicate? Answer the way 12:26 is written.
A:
3:47
